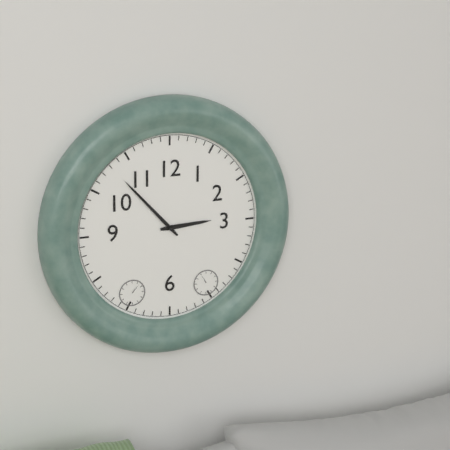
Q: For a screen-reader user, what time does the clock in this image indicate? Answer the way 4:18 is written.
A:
2:53
